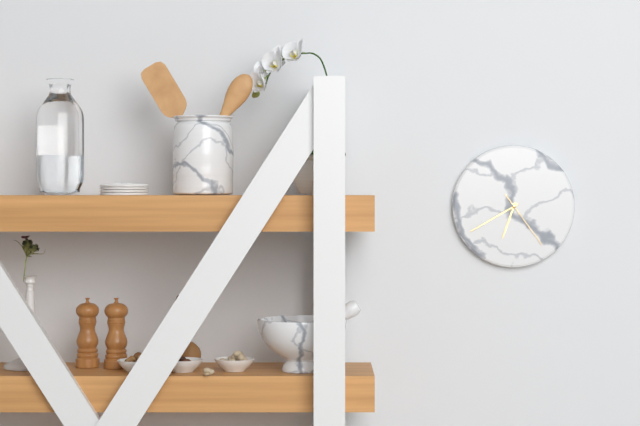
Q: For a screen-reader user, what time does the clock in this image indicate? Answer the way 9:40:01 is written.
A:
6:40:24
